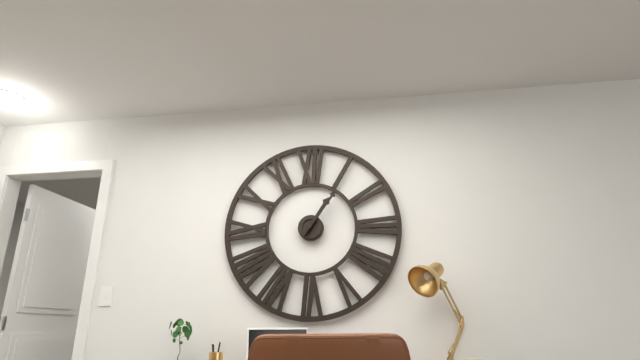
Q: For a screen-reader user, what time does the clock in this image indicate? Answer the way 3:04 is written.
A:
1:06
